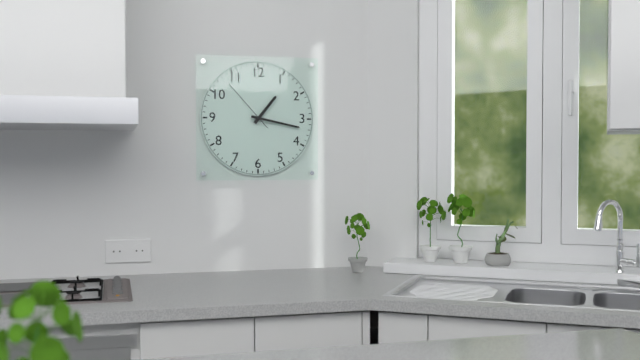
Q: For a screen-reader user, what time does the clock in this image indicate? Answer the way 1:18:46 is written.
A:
1:17:53
